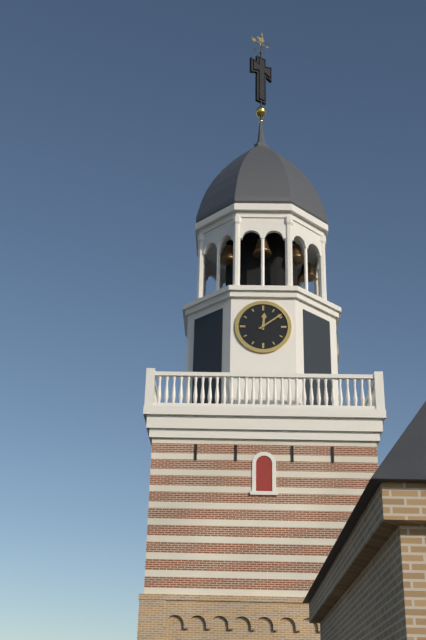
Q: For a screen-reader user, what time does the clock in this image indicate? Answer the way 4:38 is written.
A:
12:09
